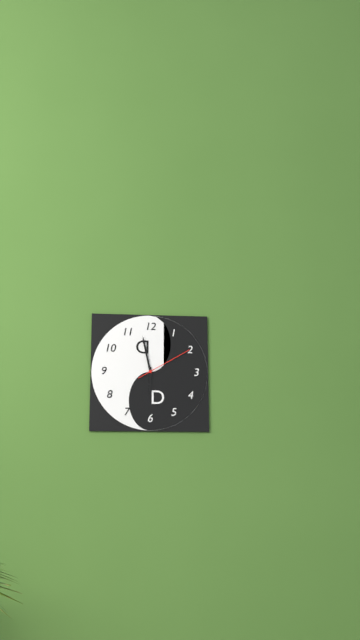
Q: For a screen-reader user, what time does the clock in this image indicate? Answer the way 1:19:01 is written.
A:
5:58:10
